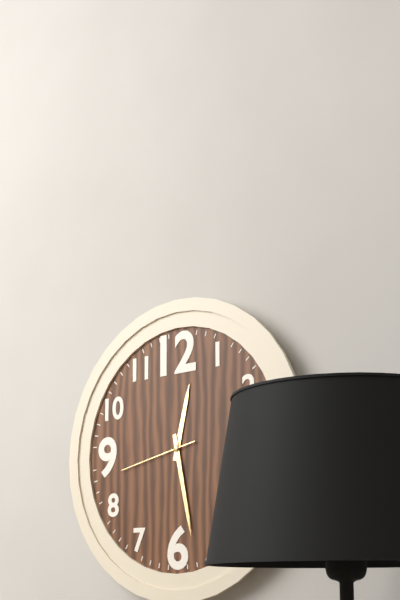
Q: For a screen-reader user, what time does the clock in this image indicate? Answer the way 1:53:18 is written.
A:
12:28:43
